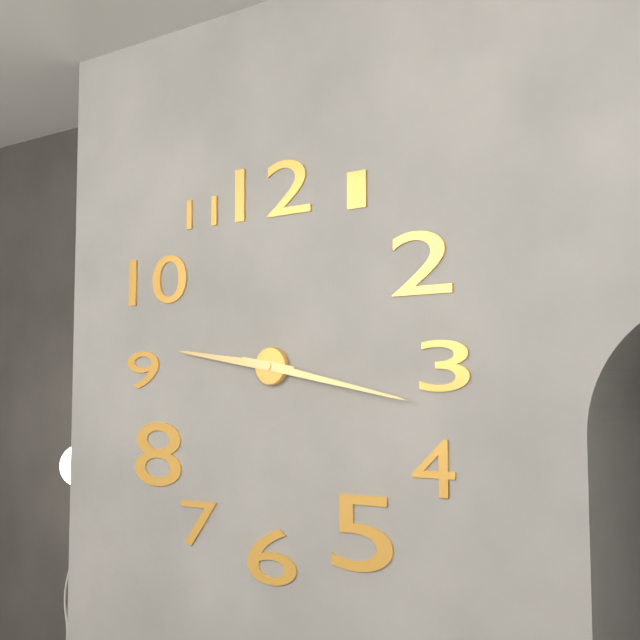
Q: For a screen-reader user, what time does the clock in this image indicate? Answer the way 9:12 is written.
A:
9:17
